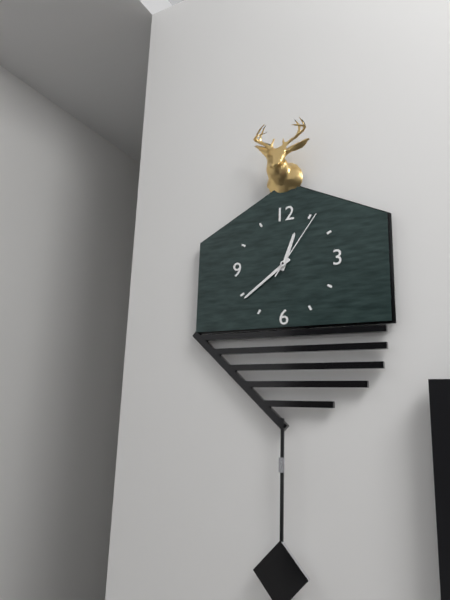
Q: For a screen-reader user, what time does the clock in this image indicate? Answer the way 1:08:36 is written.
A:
12:39:06
